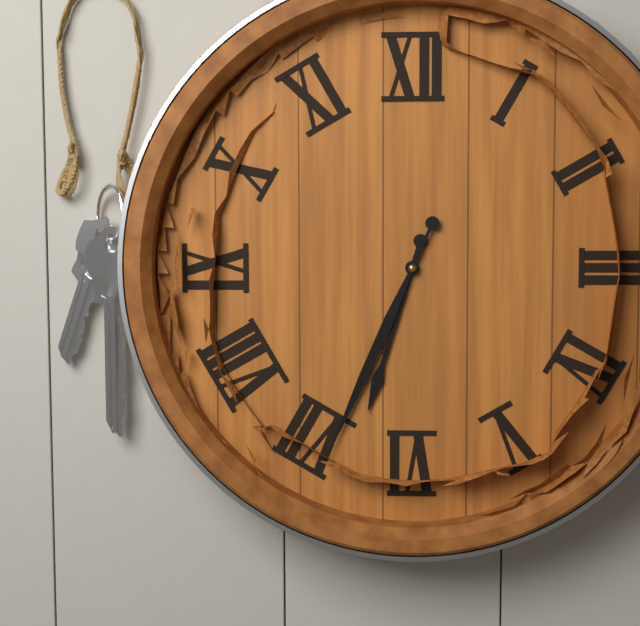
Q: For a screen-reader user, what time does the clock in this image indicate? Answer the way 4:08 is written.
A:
6:34
